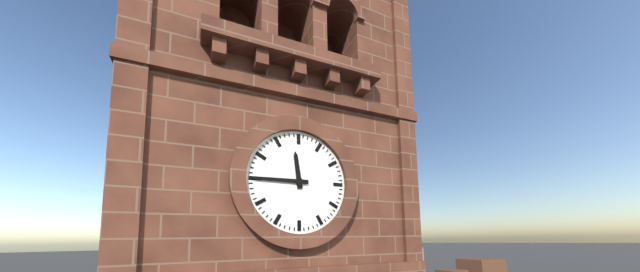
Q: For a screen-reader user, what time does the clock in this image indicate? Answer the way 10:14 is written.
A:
11:45
